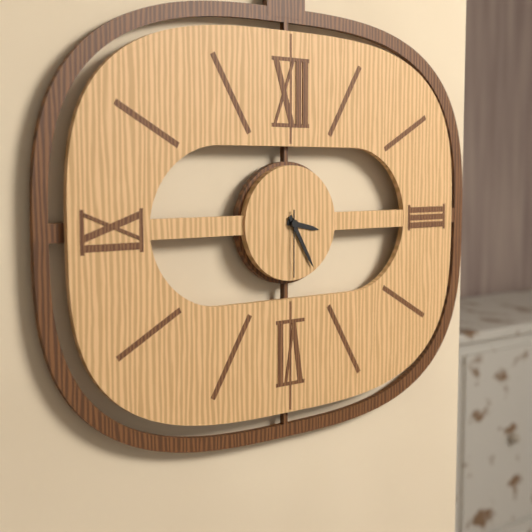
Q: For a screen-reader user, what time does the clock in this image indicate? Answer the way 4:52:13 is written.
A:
3:25:30
